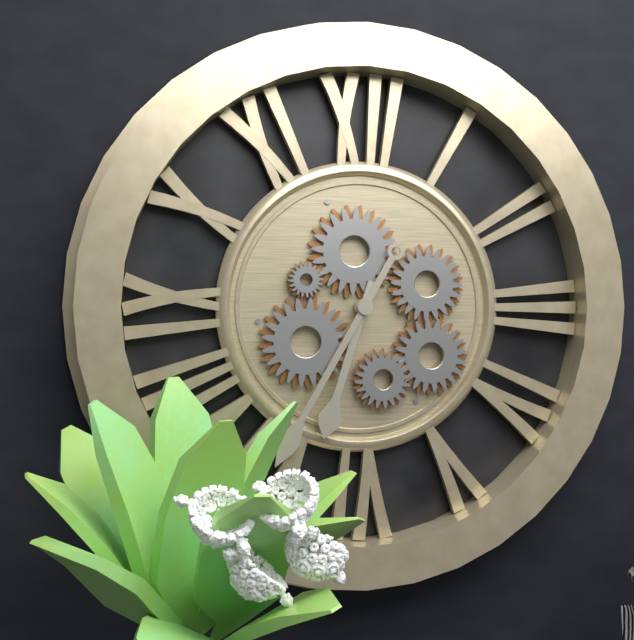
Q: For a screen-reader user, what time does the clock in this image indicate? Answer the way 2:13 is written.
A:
6:35
